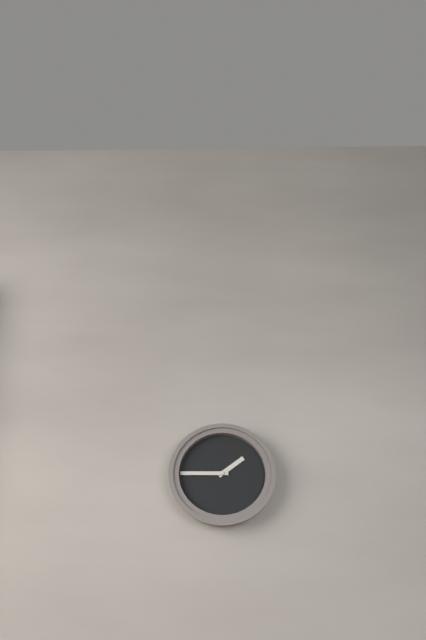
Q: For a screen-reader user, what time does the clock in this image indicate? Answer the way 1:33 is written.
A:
1:45
